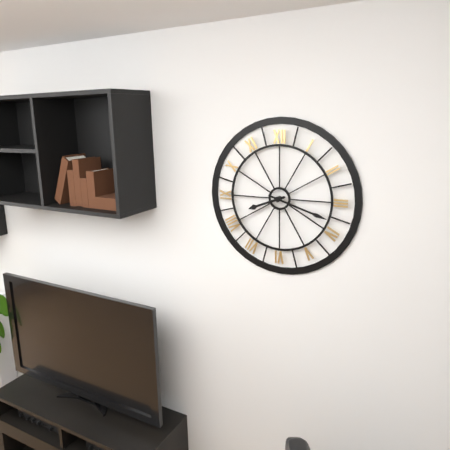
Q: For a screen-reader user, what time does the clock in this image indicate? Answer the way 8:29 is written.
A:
8:18
